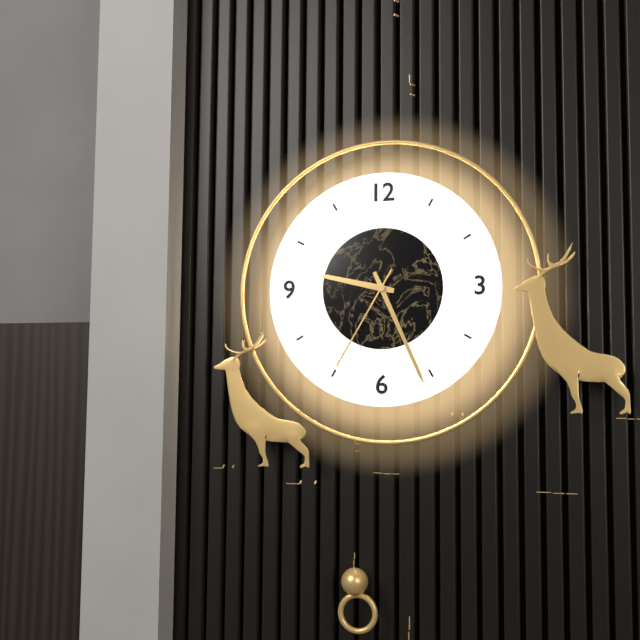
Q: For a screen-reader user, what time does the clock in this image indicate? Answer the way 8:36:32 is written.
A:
9:26:35
